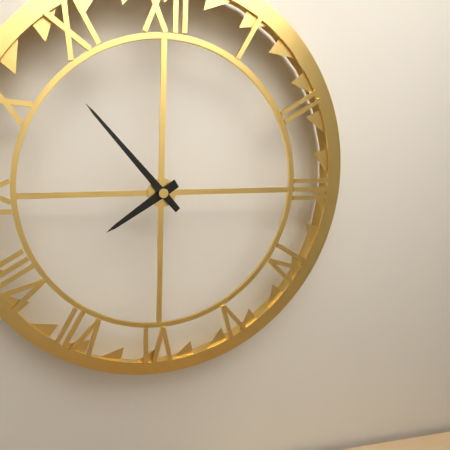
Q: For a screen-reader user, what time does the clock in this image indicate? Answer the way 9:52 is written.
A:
7:53
